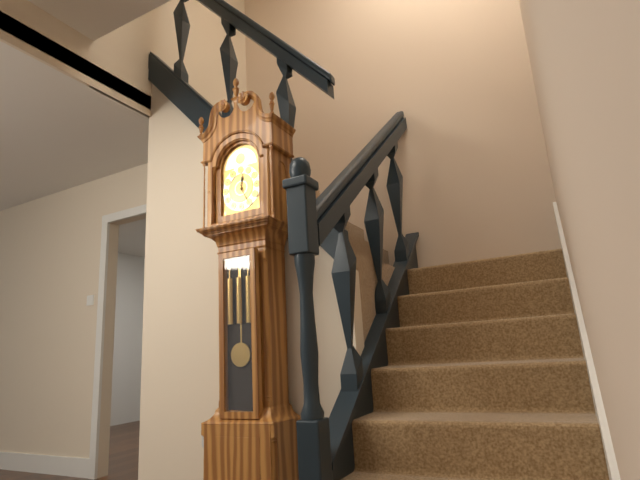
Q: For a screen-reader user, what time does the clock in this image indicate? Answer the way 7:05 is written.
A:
12:25
